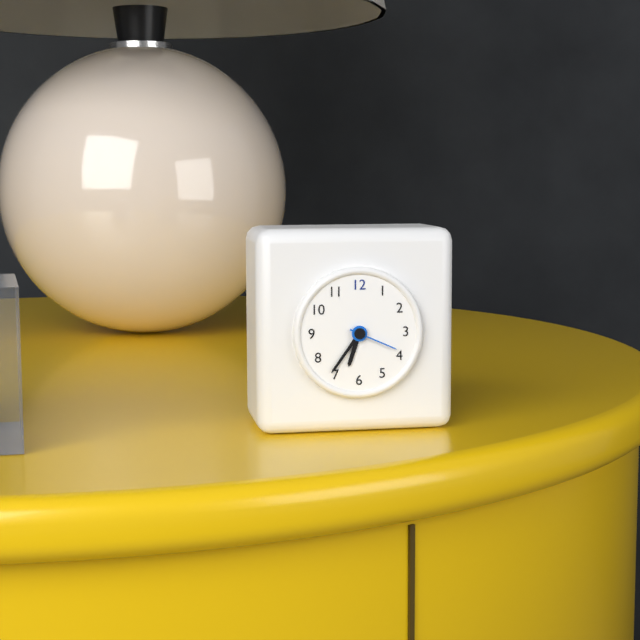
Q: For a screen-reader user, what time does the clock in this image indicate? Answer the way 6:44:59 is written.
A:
6:36:19
